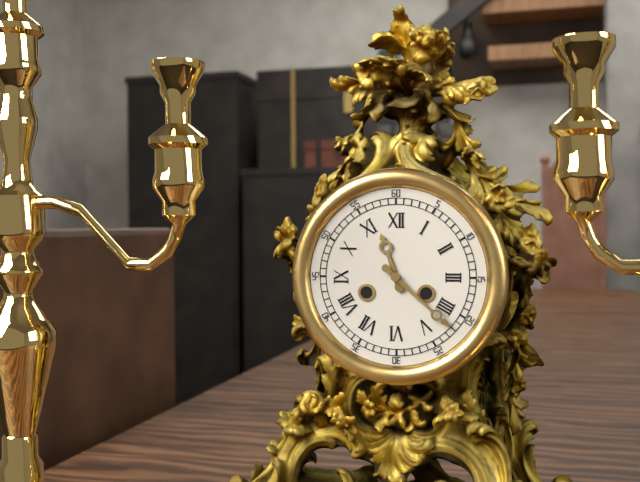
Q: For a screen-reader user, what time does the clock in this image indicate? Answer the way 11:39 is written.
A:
11:22
